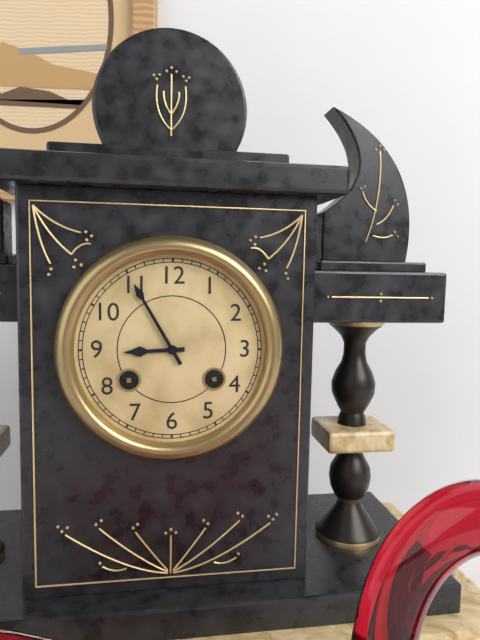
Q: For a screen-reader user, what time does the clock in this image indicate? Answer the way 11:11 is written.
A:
8:55
